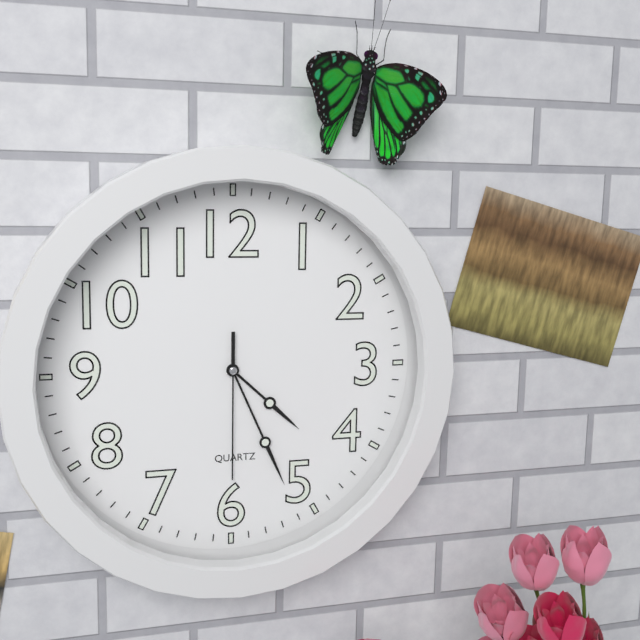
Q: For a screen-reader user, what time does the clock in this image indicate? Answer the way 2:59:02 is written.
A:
4:26:30
